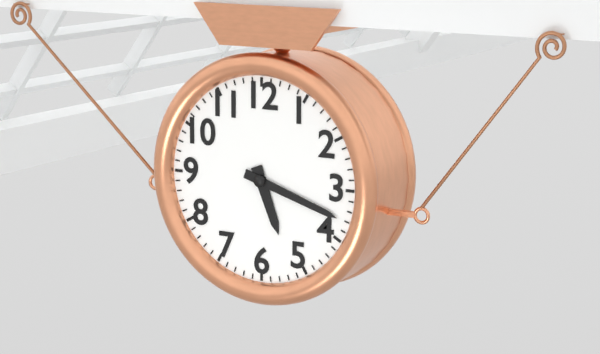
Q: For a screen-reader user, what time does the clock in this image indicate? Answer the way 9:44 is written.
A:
5:18
